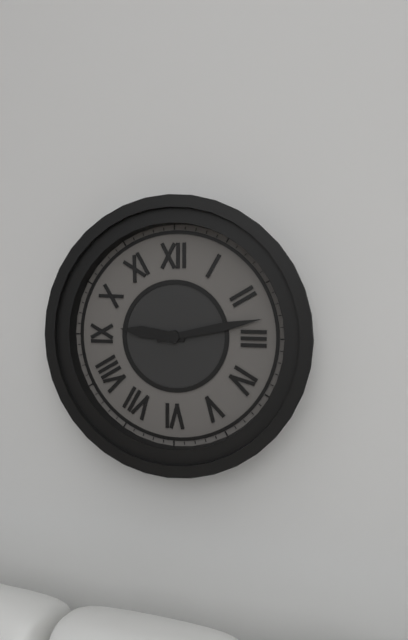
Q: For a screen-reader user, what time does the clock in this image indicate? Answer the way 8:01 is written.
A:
9:13
